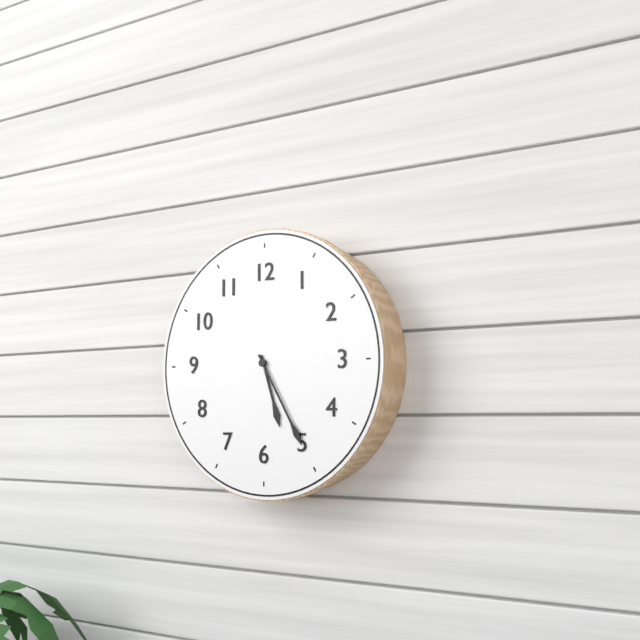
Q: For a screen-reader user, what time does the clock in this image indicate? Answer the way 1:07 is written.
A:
5:25
